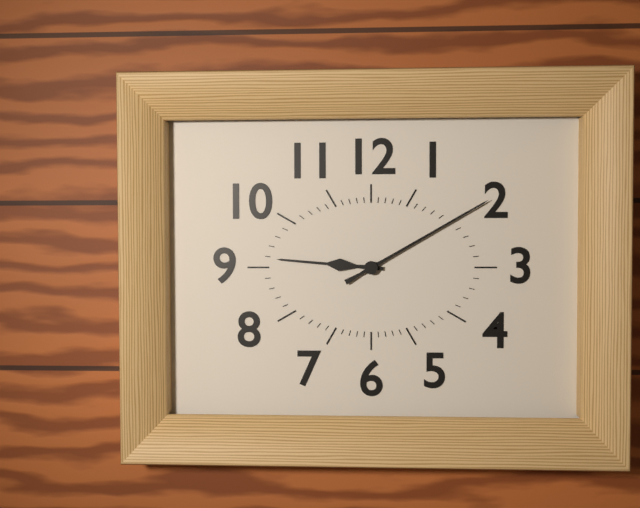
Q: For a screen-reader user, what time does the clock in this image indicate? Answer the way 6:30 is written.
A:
9:10
